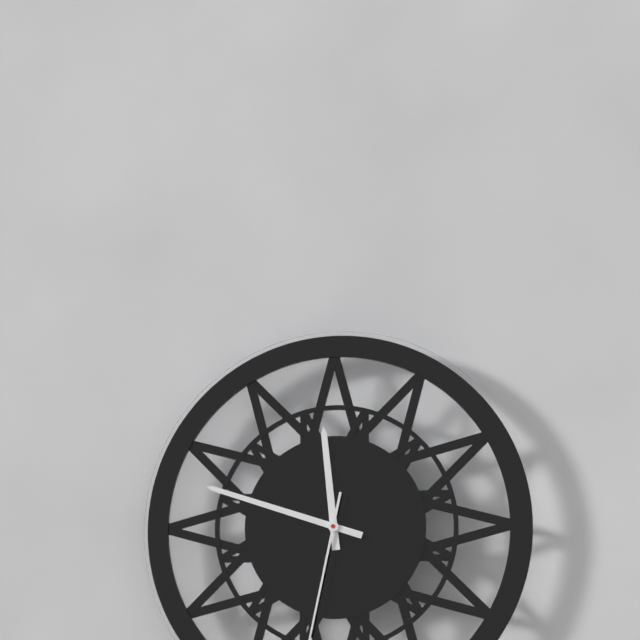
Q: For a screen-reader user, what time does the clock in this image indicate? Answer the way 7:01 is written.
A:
11:48
